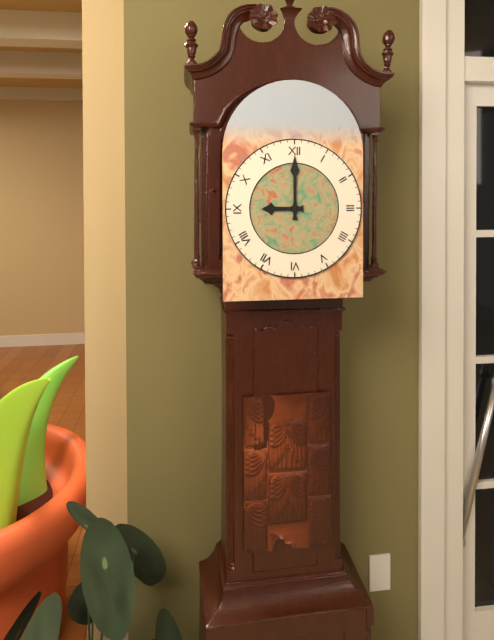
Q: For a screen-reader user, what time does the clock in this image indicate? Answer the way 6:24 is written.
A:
9:00
